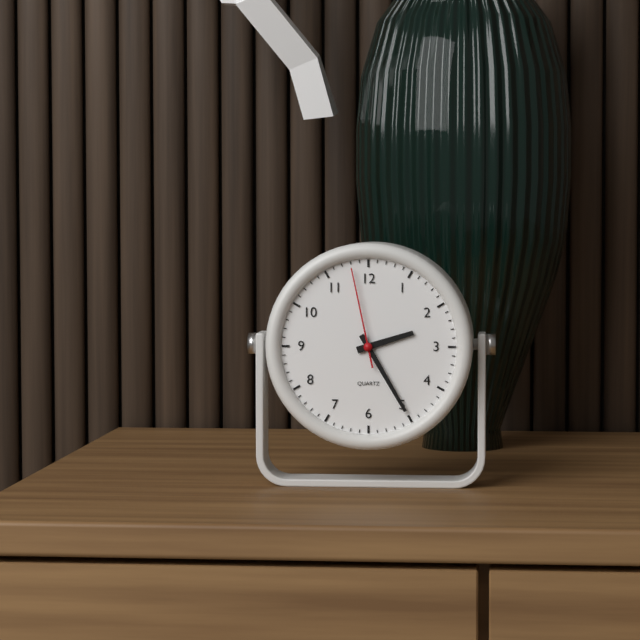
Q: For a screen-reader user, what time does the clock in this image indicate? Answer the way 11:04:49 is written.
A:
2:25:58
